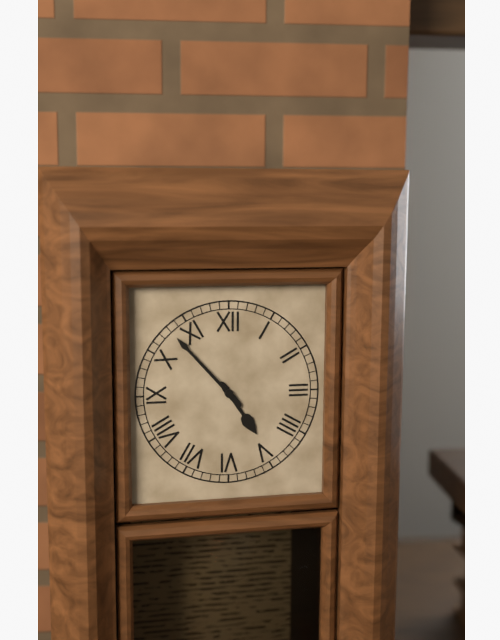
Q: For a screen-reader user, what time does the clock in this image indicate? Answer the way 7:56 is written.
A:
4:53
